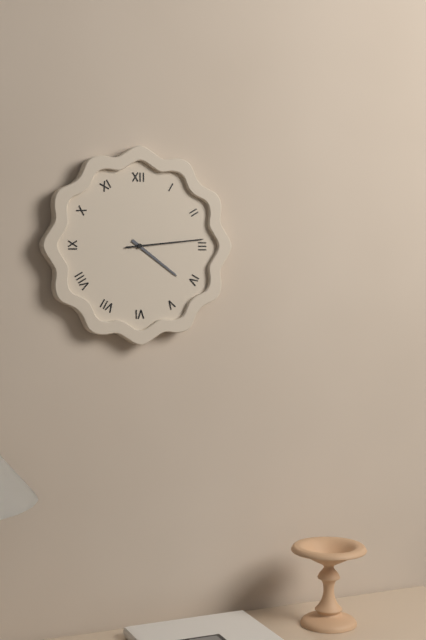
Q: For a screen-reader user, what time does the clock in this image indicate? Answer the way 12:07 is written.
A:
4:14
